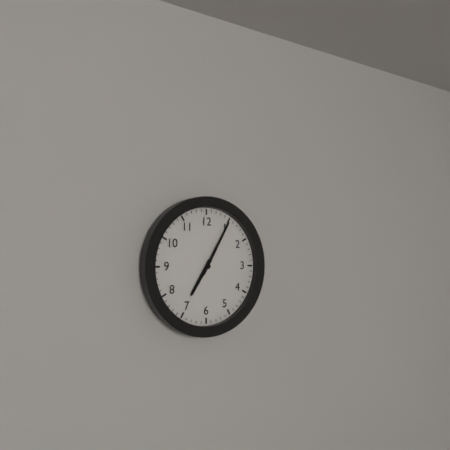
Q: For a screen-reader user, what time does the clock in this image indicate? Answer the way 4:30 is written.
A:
7:05
